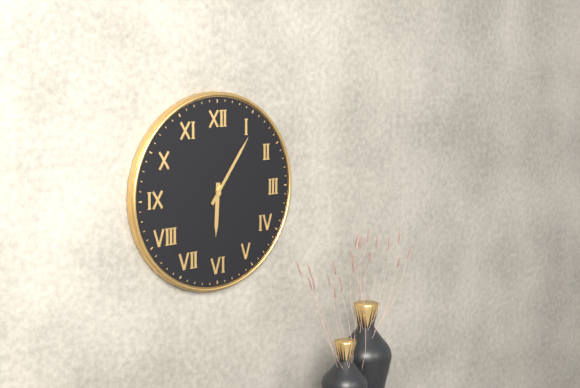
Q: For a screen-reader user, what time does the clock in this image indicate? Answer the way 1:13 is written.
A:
6:06
